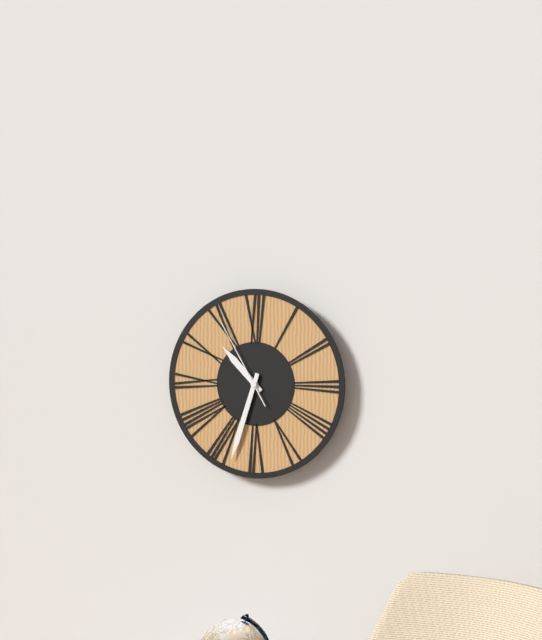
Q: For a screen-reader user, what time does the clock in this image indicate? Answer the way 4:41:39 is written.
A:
10:33:55
